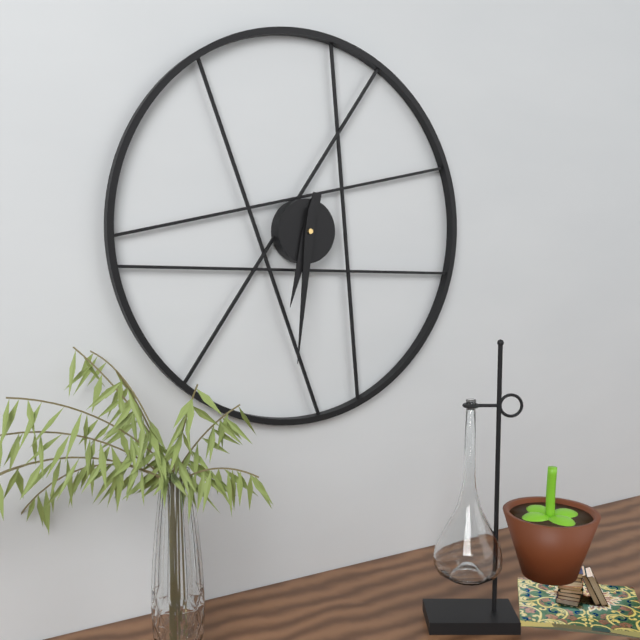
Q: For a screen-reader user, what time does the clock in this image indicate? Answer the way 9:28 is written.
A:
6:31
